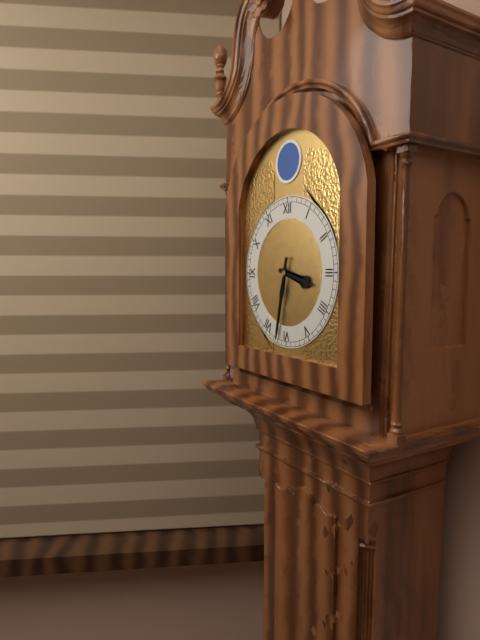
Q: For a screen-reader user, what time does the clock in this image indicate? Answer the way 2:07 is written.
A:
3:32
